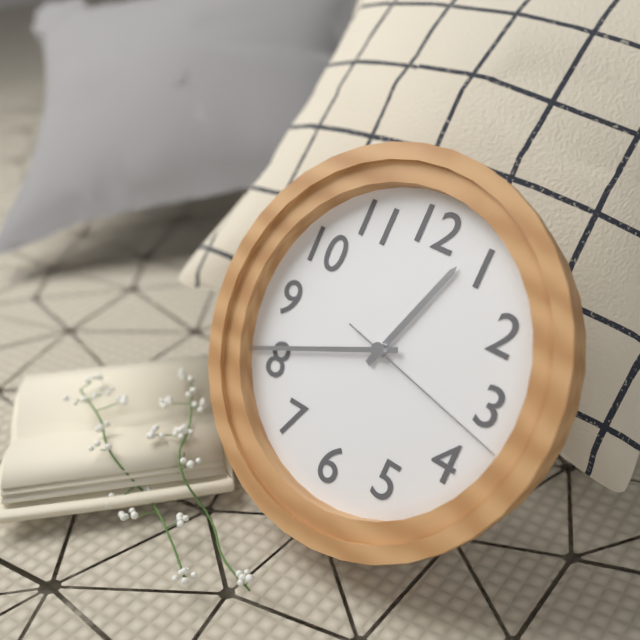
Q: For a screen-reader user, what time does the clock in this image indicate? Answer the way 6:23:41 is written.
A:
12:41:17
